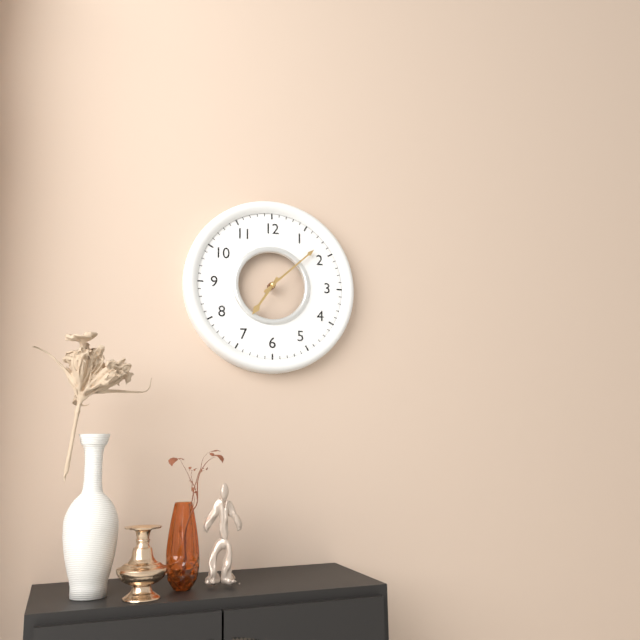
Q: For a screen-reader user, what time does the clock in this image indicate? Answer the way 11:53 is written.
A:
7:08
